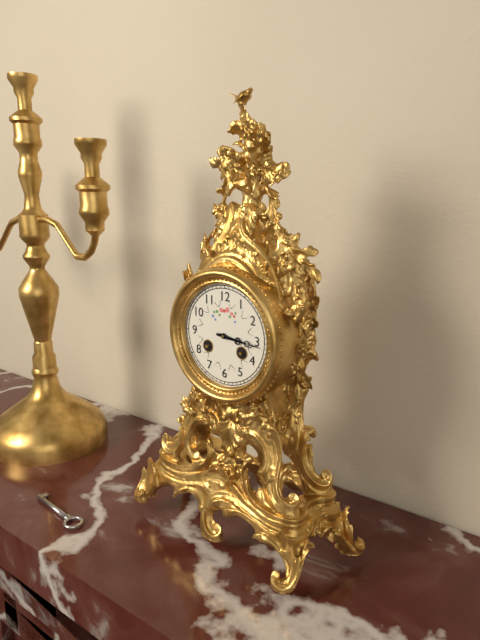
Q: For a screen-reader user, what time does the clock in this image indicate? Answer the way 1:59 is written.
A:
3:16
